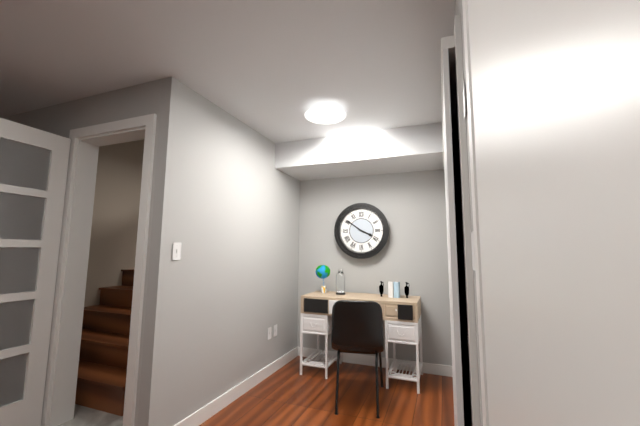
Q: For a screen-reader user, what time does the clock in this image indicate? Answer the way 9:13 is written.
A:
3:51
